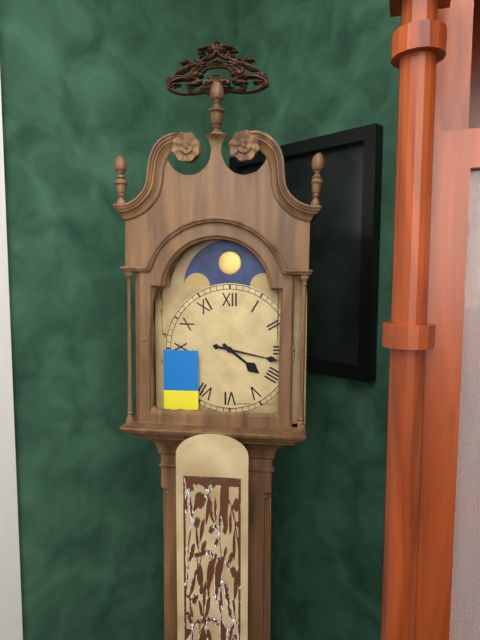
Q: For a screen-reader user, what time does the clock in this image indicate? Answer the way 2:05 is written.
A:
4:17
